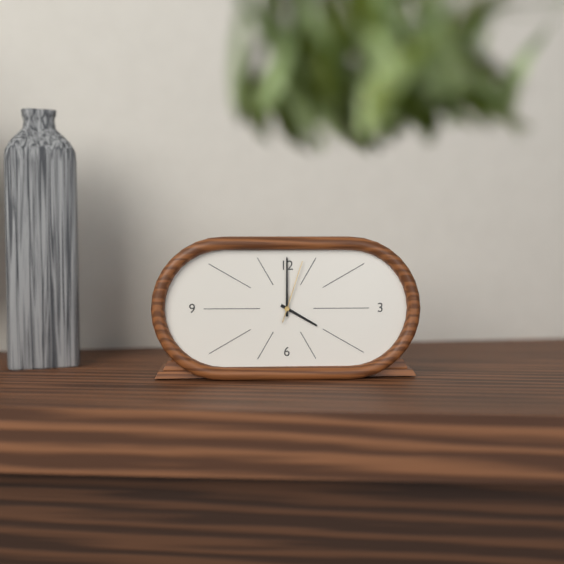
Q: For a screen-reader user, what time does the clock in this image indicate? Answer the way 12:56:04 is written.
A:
4:00:03
